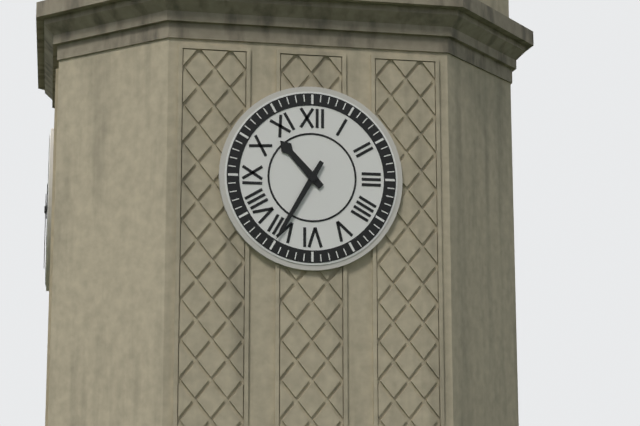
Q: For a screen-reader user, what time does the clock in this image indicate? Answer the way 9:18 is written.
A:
10:35
